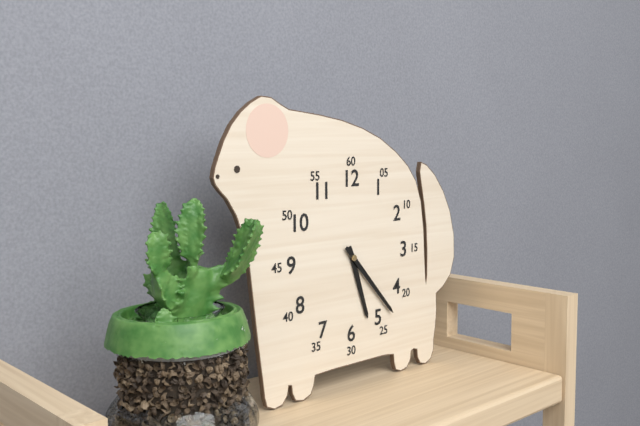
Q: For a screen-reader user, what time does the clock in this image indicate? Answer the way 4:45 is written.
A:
5:23
